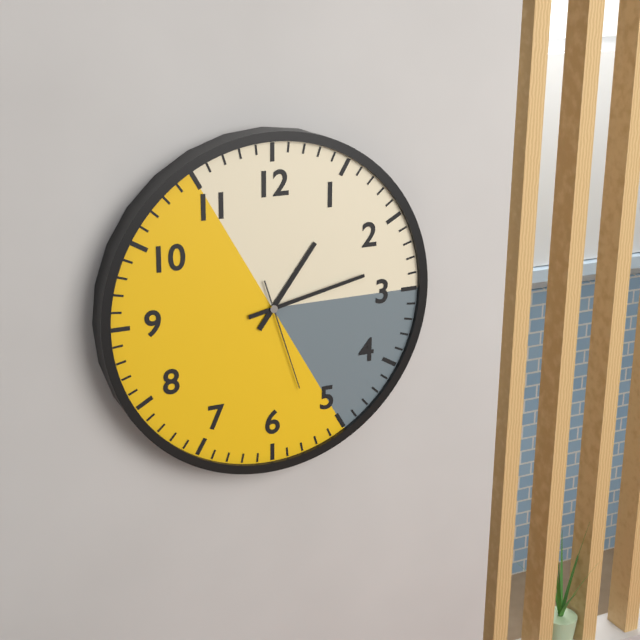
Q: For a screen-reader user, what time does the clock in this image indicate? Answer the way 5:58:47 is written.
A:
1:13:27
